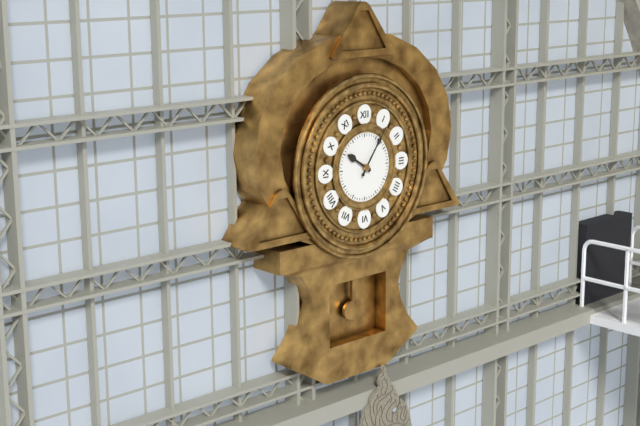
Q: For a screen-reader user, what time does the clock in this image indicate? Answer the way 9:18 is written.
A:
10:06
